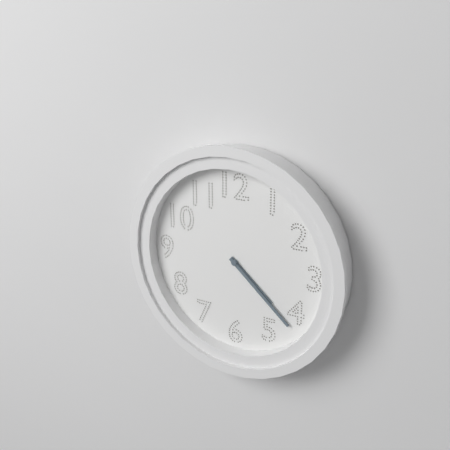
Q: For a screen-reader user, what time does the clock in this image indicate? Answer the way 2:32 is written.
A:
4:22
